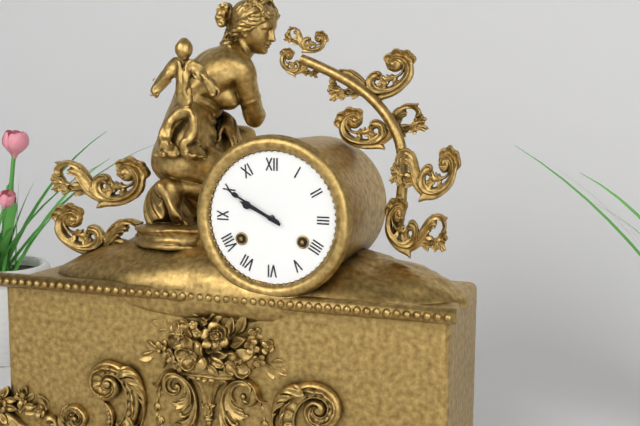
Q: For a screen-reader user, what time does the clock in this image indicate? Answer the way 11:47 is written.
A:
9:50
